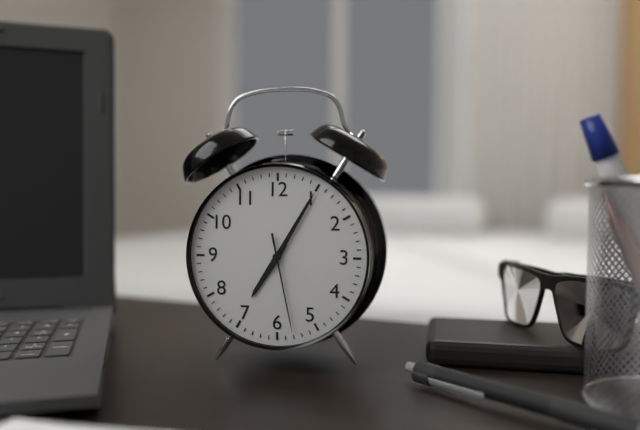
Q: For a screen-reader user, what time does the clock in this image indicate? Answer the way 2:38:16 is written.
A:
7:05:28
